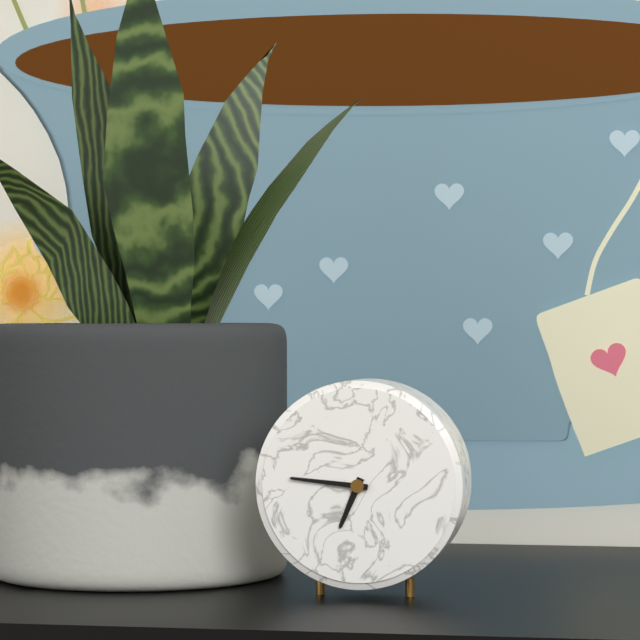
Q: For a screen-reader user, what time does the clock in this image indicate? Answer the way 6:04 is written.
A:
6:46
